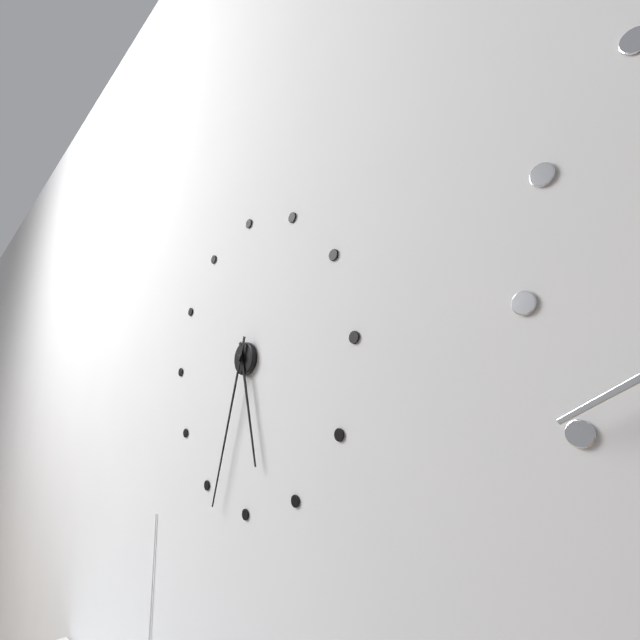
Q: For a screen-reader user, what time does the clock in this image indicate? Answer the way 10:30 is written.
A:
5:33
